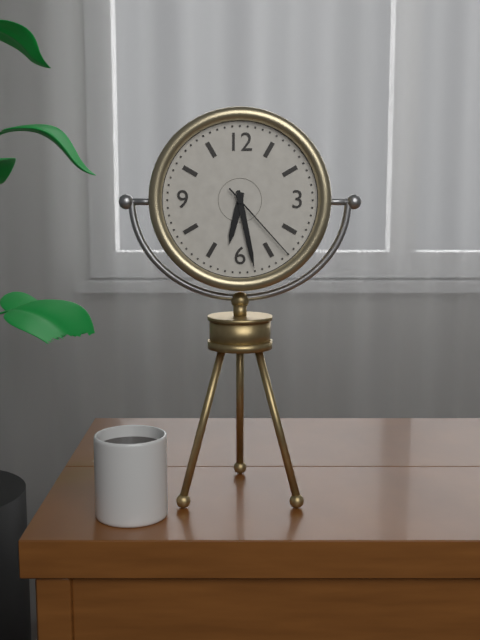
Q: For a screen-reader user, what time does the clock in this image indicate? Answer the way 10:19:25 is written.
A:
6:28:23
